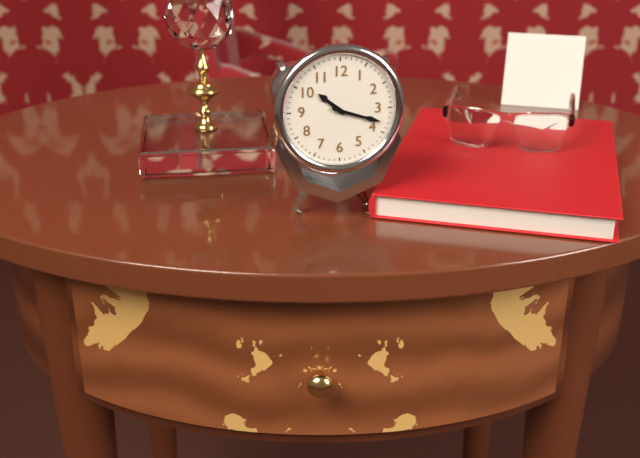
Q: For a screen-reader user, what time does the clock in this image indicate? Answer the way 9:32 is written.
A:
10:18
